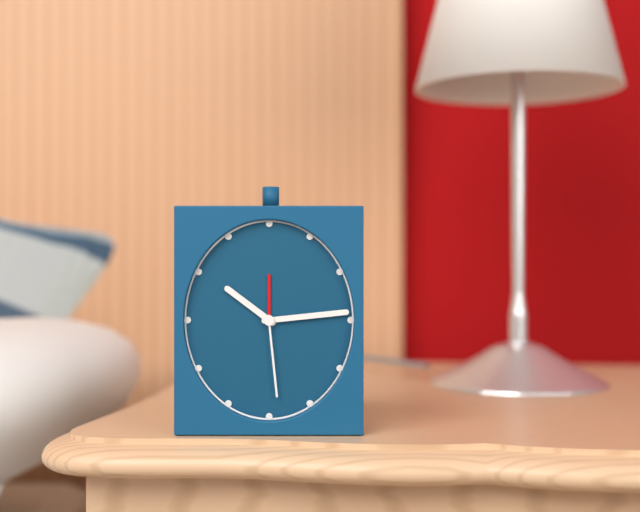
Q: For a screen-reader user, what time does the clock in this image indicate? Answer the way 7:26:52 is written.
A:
10:14:29
